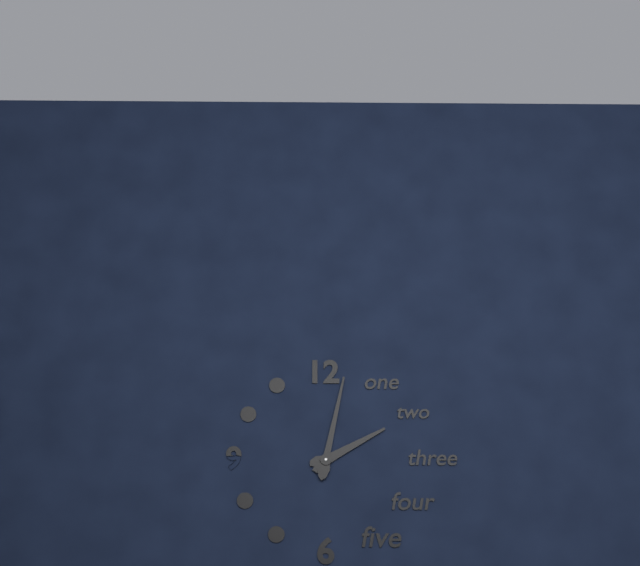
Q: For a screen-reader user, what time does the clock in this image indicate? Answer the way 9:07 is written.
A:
2:02
